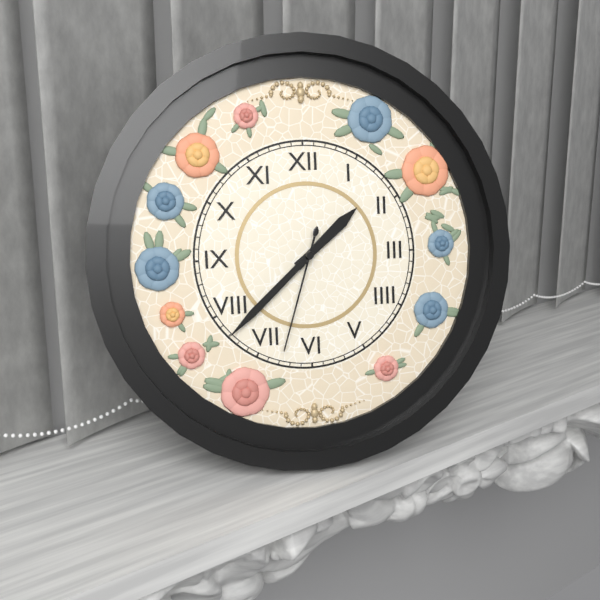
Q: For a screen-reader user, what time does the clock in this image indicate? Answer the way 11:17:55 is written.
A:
1:38:33
